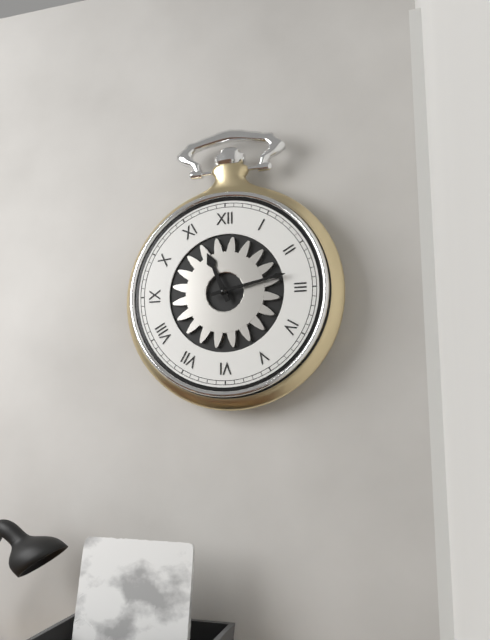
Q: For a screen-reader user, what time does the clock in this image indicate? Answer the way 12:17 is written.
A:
11:13
